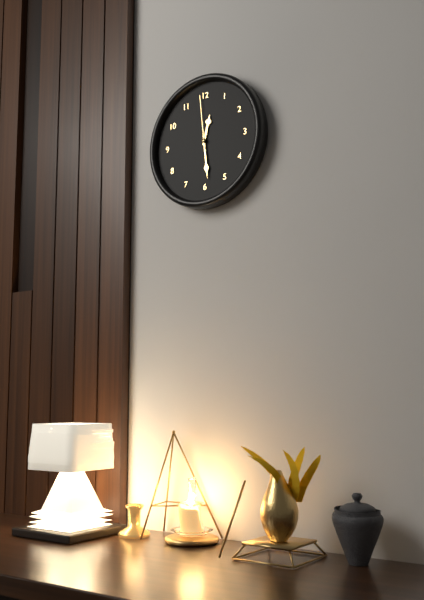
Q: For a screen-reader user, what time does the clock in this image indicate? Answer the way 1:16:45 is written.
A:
12:29:59
